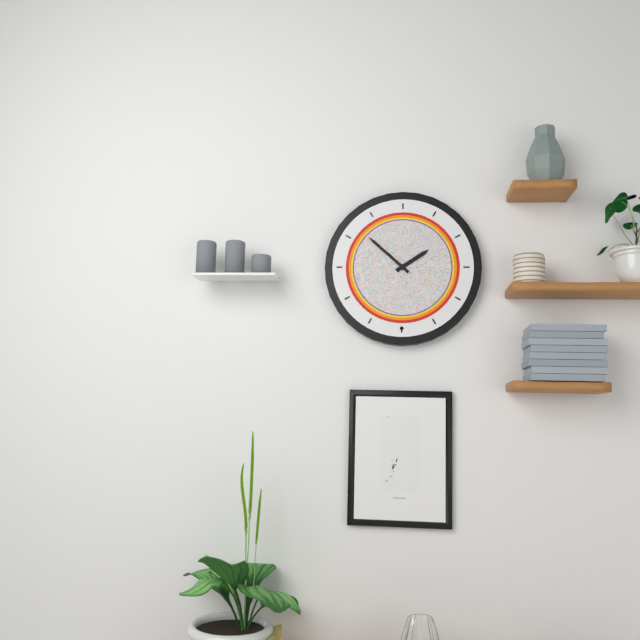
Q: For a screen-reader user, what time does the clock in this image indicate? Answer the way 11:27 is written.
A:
1:52
